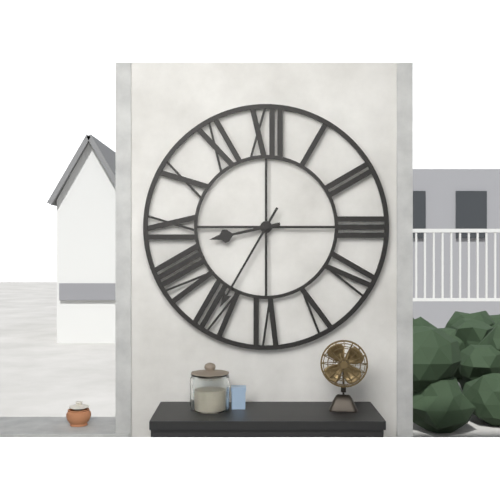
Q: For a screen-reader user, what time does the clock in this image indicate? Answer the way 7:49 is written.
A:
8:35
